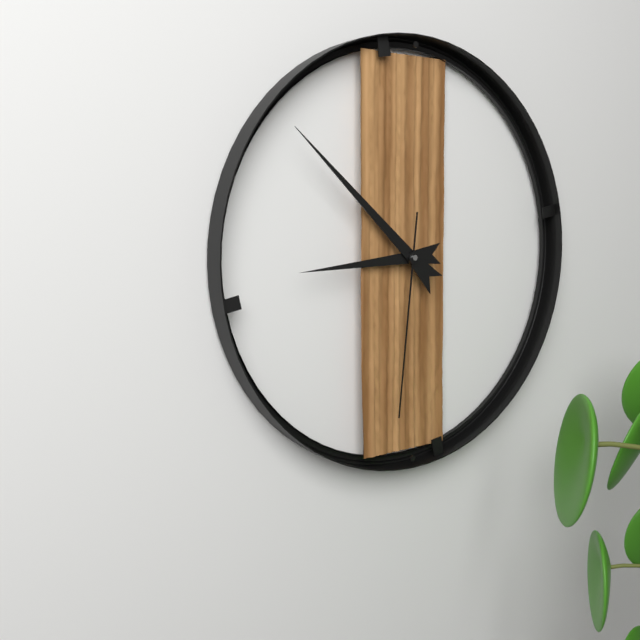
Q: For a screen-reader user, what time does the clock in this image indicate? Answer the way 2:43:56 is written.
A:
8:52:31
